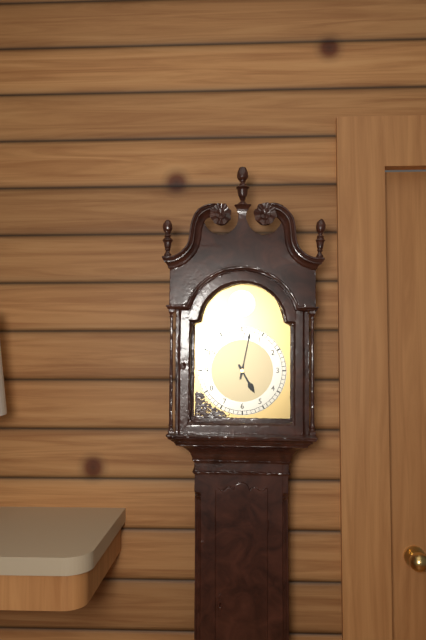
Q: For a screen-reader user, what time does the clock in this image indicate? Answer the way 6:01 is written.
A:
5:02
